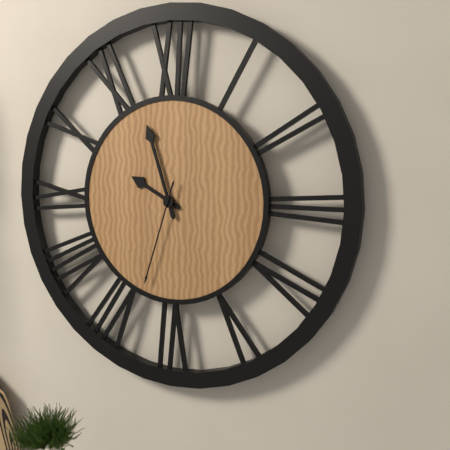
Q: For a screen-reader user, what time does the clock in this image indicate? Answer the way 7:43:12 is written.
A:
9:57:33
